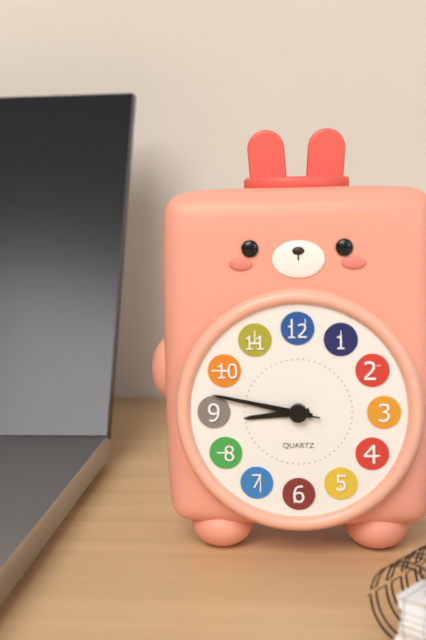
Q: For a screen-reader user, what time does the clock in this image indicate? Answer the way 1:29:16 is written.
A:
8:47:47
